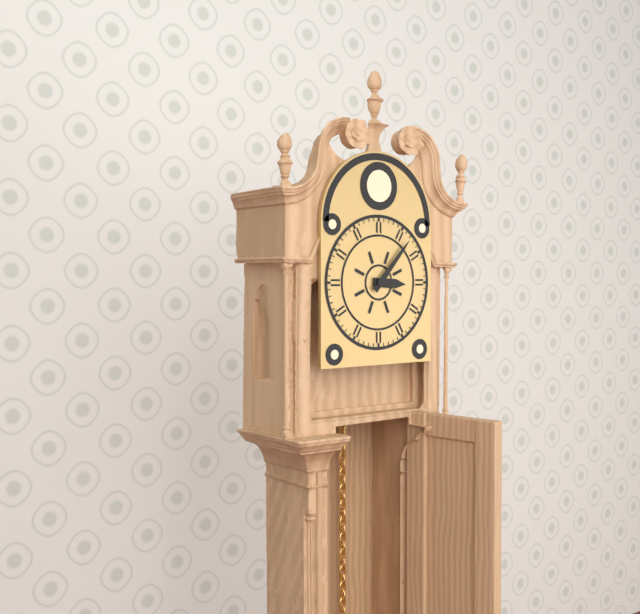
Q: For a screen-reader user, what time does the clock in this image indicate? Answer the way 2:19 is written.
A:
3:07
